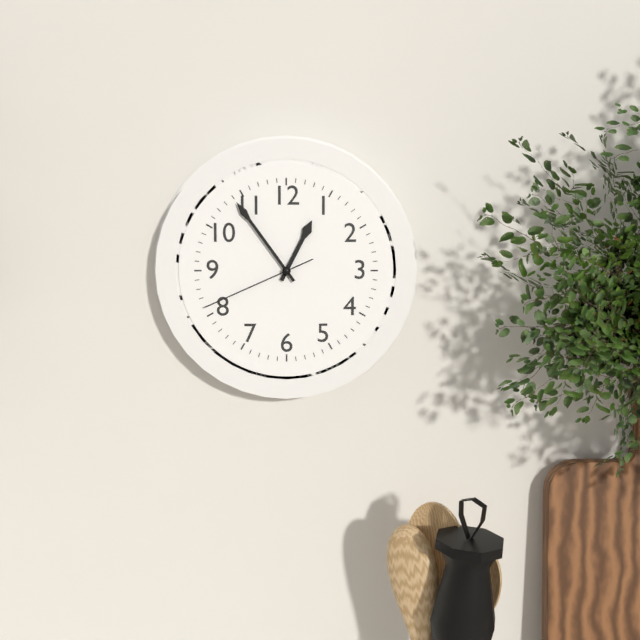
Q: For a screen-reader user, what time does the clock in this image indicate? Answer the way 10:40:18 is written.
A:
12:54:41
